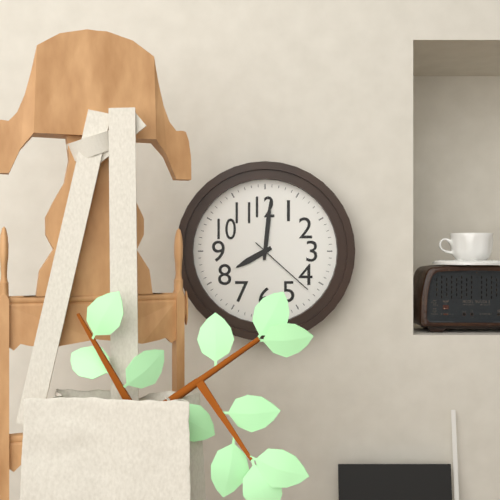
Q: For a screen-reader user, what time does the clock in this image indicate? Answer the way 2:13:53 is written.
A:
8:01:22
